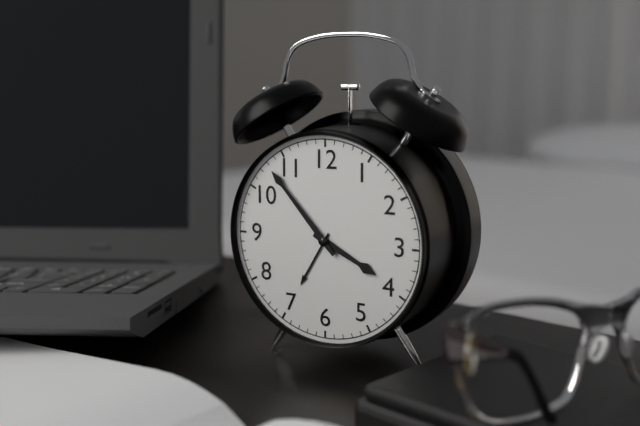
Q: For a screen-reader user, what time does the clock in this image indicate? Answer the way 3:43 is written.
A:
3:53
